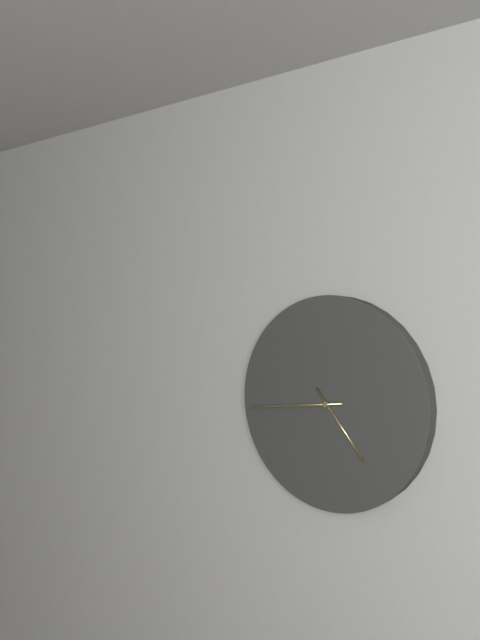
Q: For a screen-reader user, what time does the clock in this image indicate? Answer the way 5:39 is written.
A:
4:44
